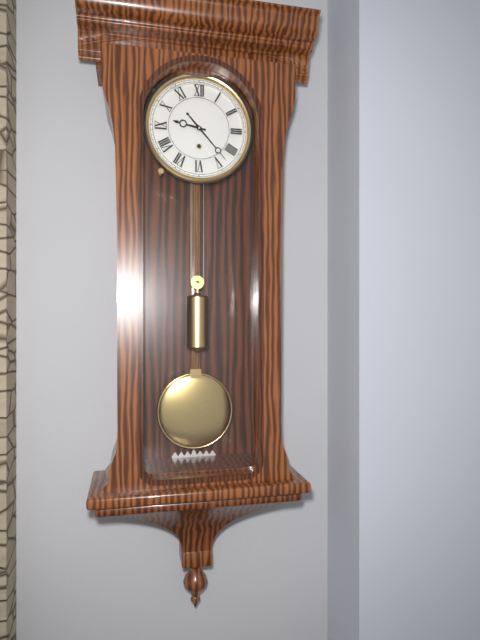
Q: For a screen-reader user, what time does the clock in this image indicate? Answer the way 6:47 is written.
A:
9:23
